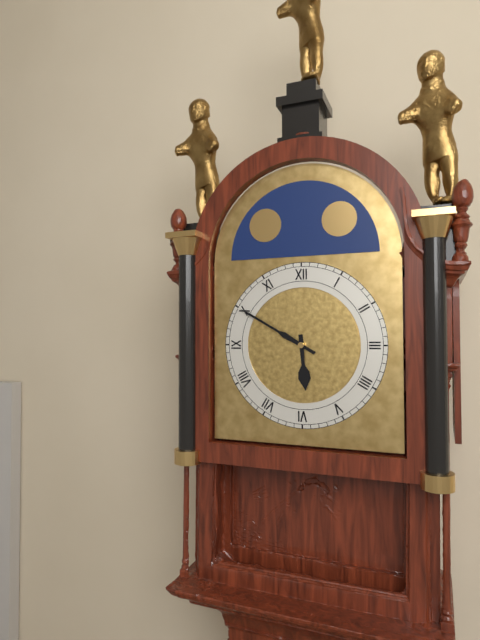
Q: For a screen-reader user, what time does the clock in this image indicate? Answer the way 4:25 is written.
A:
5:50
